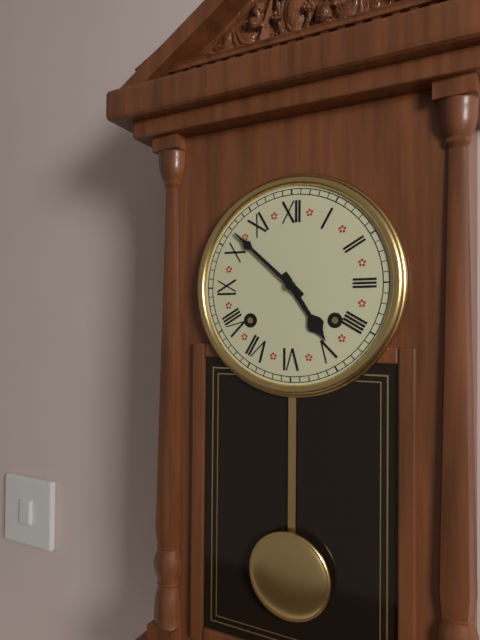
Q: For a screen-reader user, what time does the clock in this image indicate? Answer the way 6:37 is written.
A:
4:52
